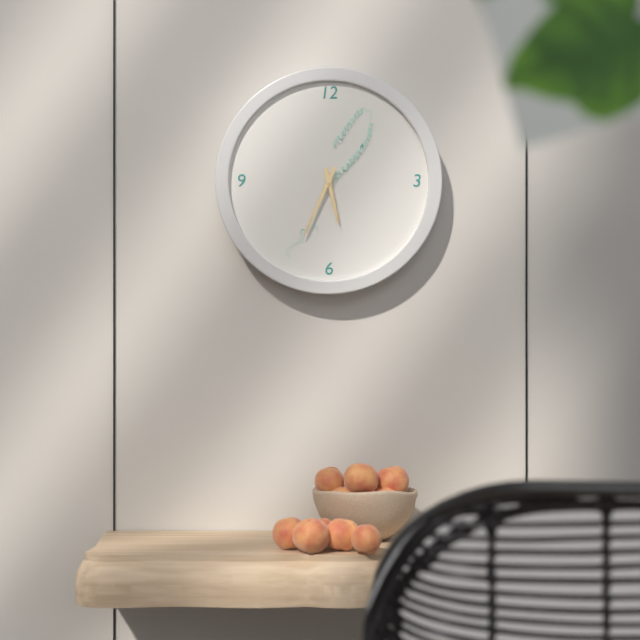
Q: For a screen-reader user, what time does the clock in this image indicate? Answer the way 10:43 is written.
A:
5:34
